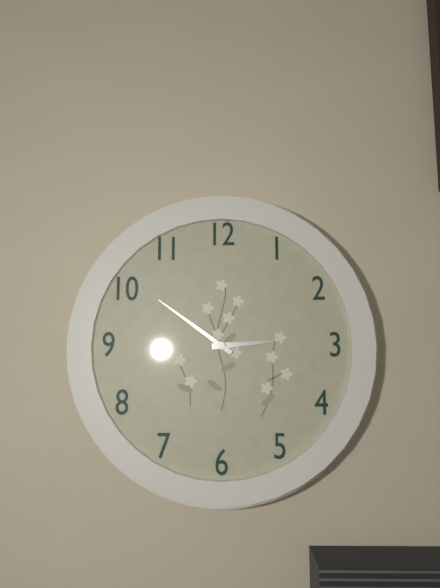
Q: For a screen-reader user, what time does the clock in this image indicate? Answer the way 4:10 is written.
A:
2:51
